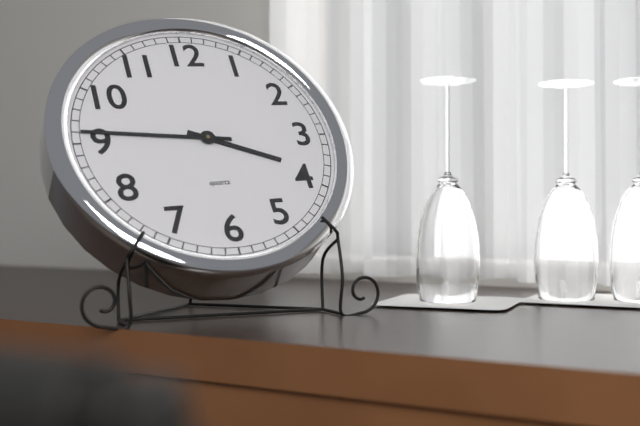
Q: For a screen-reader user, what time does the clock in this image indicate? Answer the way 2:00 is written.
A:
3:46
